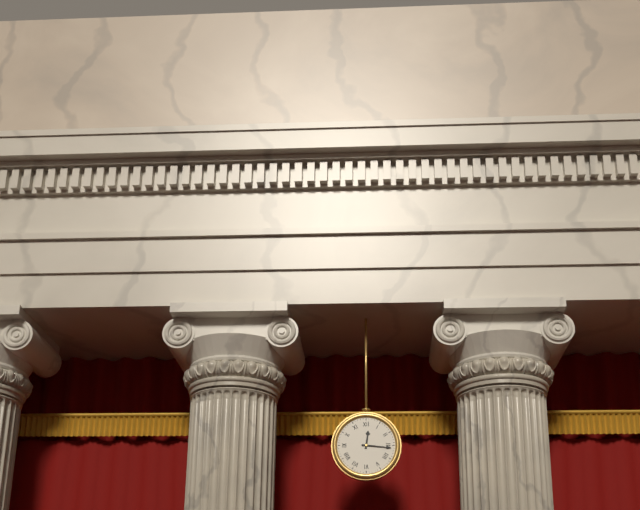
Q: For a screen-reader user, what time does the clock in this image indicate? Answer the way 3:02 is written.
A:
12:16
